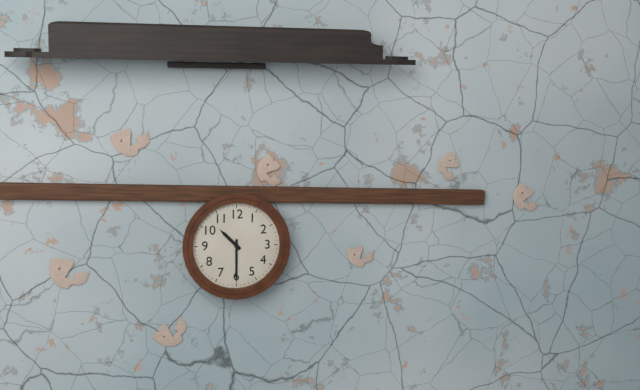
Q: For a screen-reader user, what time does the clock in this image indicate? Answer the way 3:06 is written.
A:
10:30
